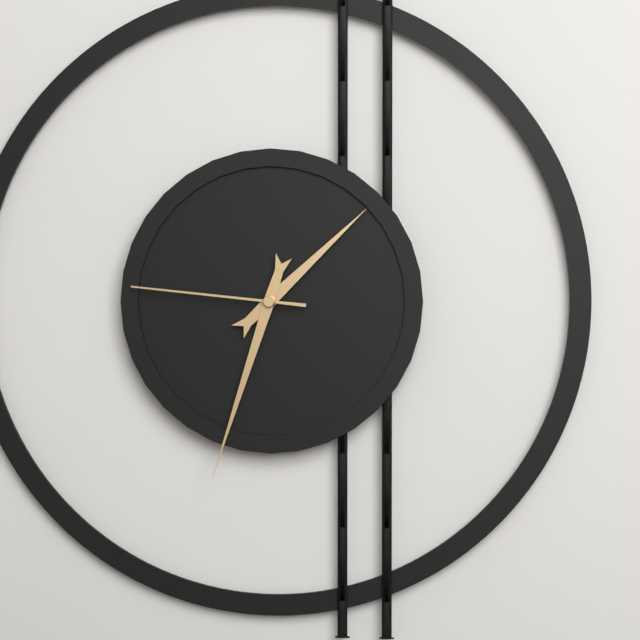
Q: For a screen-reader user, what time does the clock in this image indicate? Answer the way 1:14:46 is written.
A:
1:33:46
